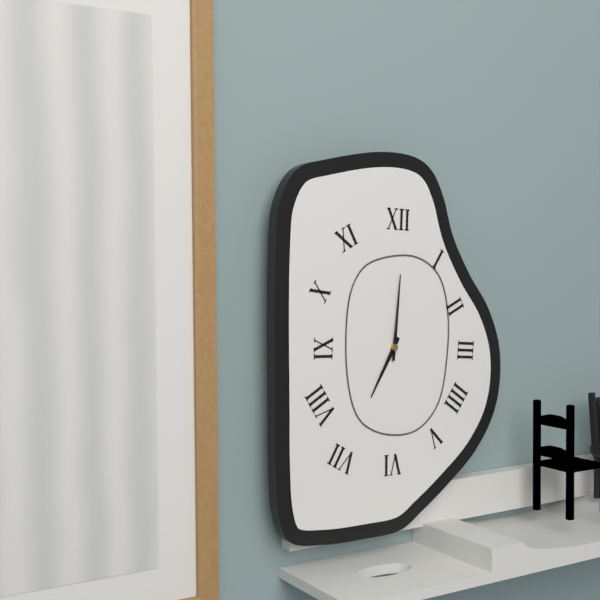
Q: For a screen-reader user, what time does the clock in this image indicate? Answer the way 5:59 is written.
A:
7:01
